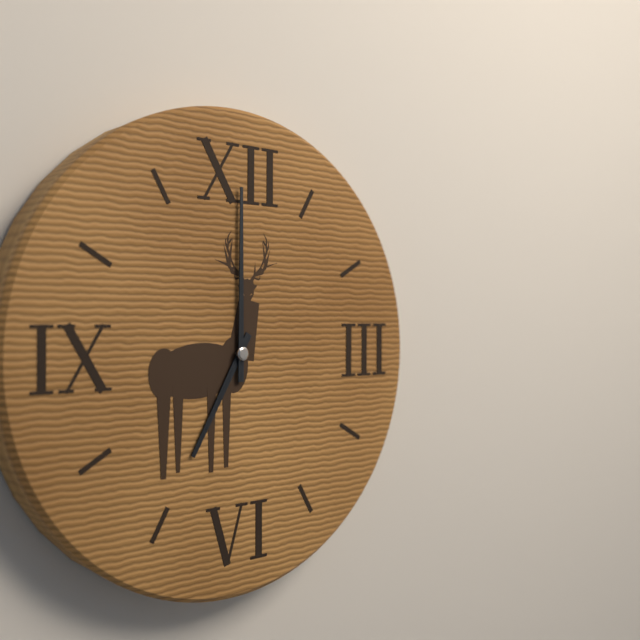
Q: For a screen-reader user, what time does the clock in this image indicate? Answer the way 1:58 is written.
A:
7:00
